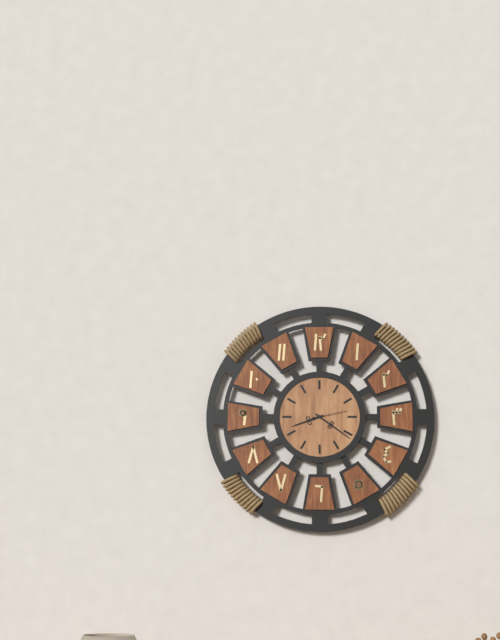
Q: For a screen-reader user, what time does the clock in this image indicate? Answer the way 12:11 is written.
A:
8:21
